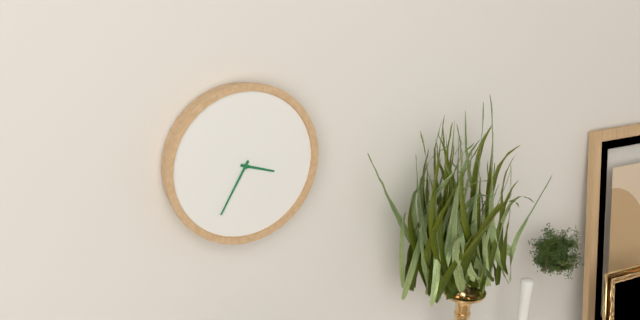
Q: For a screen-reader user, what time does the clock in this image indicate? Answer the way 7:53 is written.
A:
3:35
